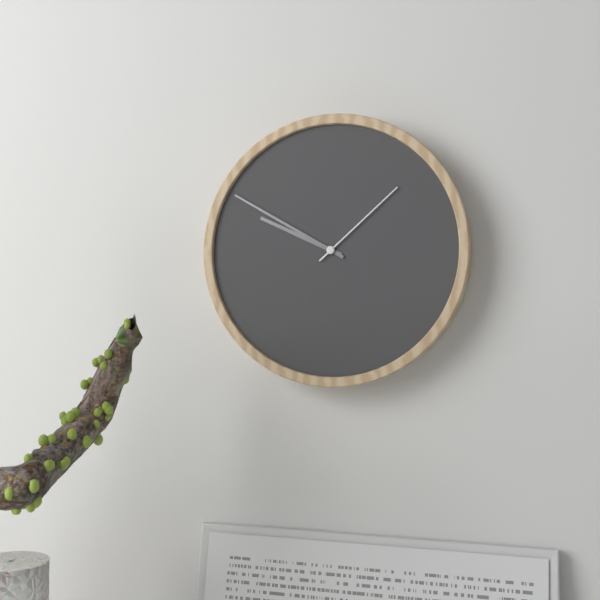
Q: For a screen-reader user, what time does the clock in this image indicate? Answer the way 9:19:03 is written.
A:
9:50:08
